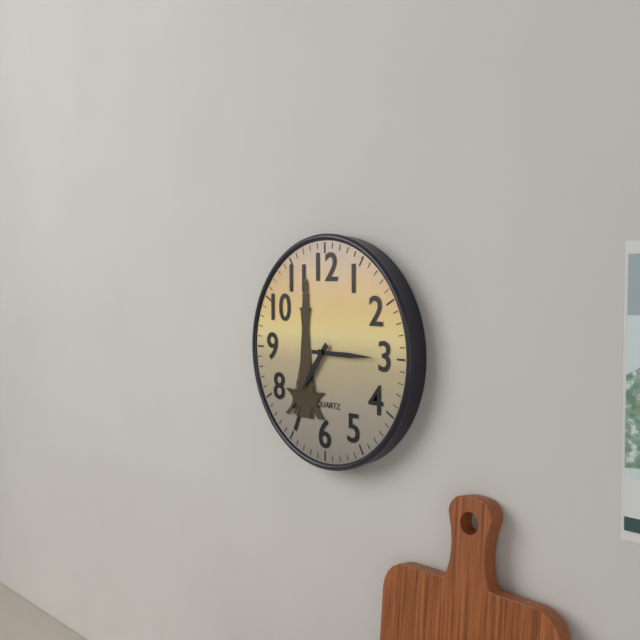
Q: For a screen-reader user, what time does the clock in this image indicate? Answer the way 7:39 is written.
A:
7:15
